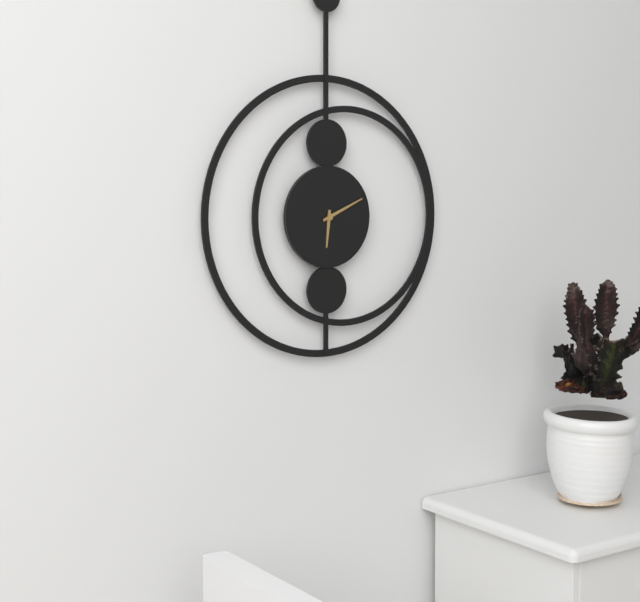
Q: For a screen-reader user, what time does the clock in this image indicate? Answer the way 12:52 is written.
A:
6:11
